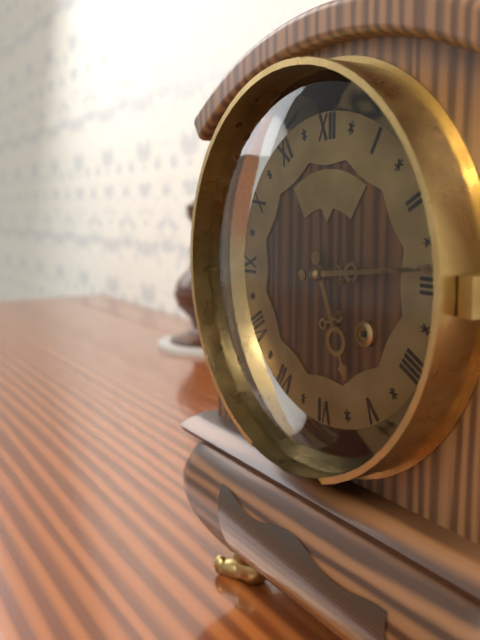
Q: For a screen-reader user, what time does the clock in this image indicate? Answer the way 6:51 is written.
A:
5:14
